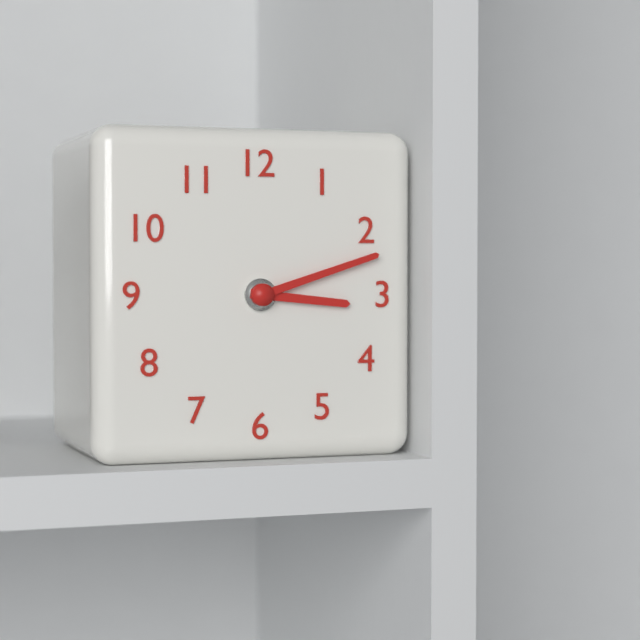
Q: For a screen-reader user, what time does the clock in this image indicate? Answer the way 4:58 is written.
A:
3:12
